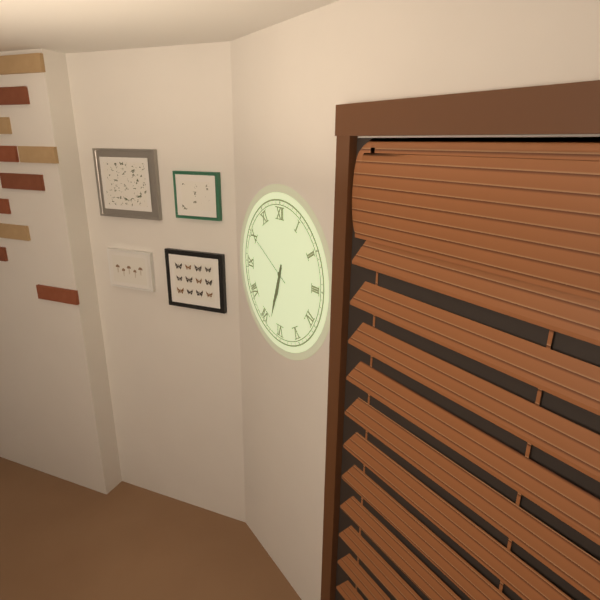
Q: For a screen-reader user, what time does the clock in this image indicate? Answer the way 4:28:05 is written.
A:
6:33:50
